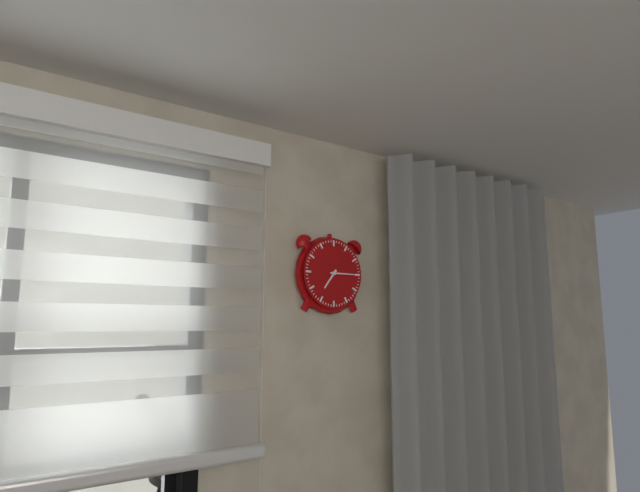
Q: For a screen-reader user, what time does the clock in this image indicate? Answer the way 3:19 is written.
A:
7:15
